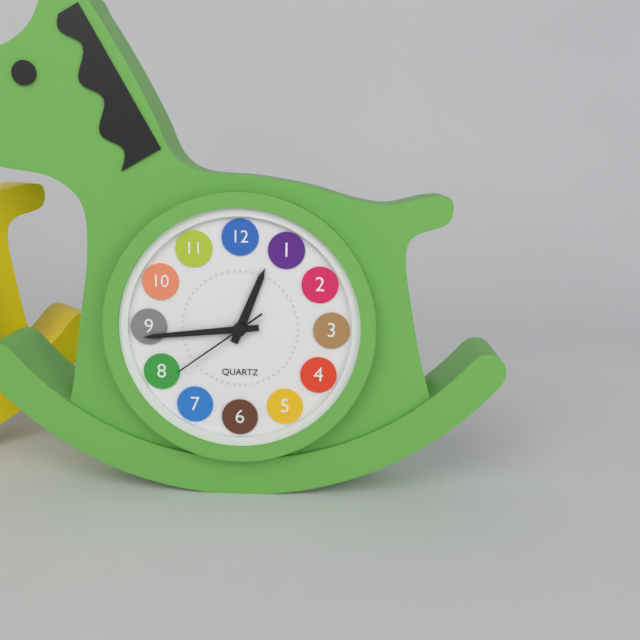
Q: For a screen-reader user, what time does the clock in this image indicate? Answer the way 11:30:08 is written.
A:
12:44:39
